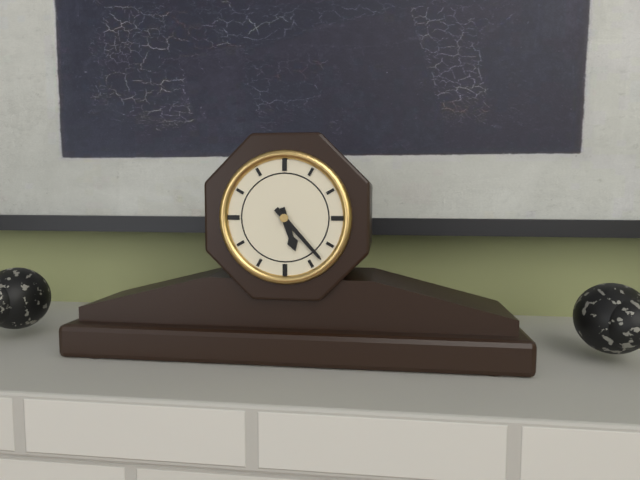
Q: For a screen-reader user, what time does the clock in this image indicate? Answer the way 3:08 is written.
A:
5:23
